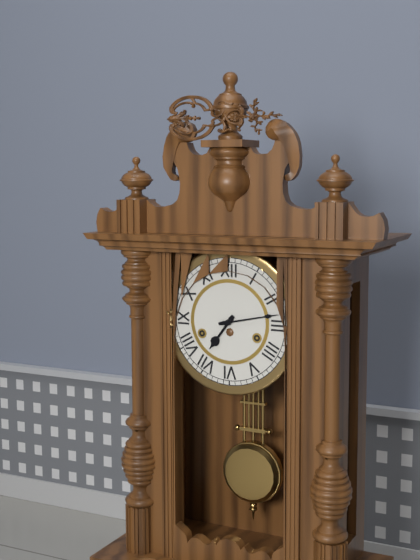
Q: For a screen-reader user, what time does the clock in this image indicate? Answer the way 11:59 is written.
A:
7:13
